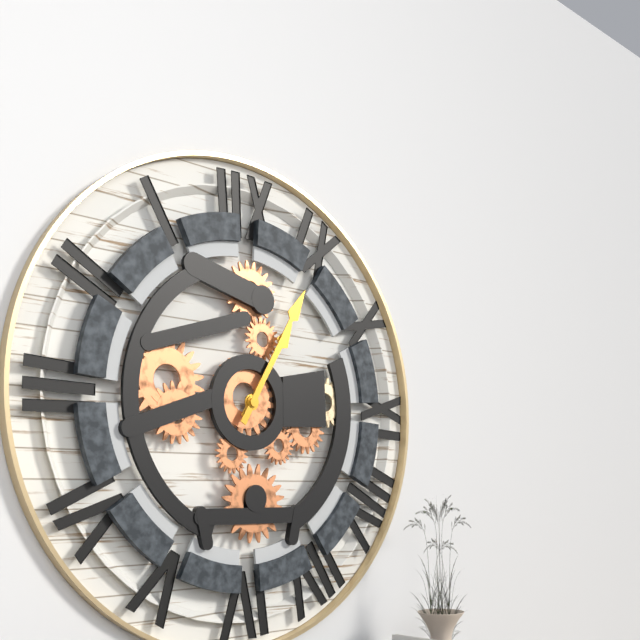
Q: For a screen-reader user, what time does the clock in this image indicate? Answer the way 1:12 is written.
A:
1:05
